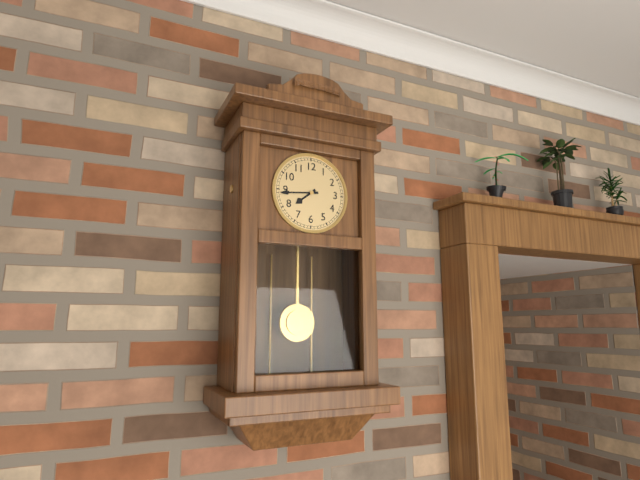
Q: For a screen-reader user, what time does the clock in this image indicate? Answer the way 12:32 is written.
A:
7:44
